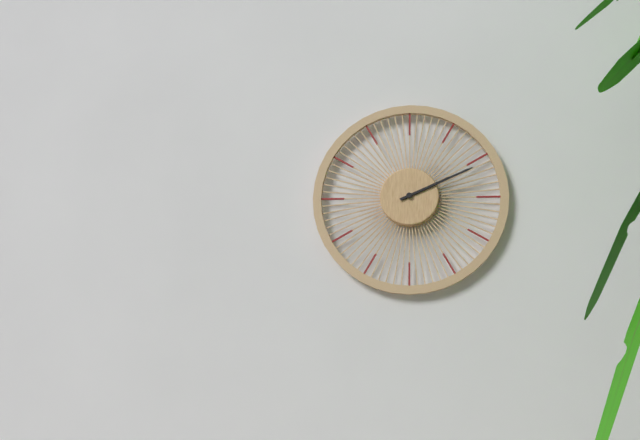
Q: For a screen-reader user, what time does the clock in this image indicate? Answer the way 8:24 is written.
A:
2:11
